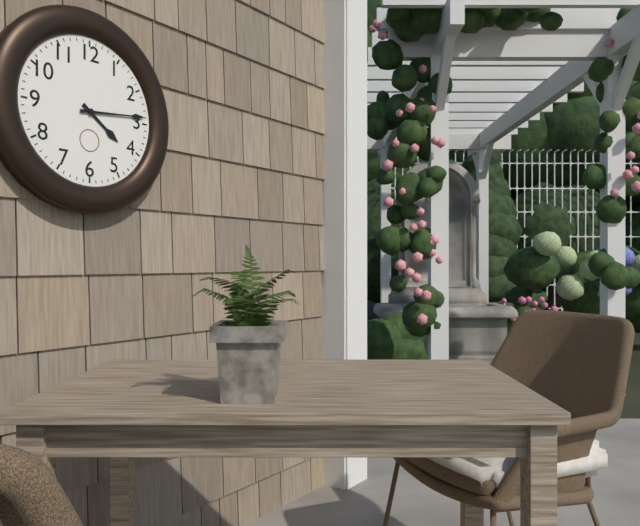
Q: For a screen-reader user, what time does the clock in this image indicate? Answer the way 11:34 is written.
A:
4:14
